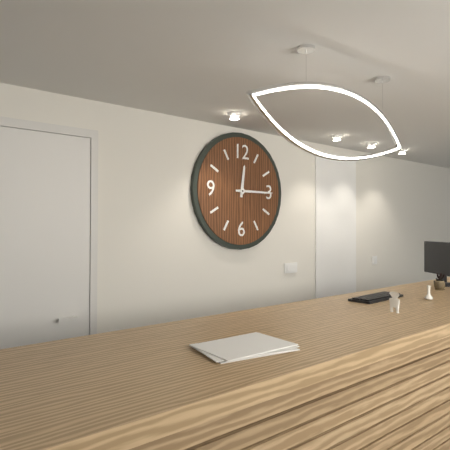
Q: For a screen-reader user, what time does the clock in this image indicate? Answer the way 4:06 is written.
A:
12:15
